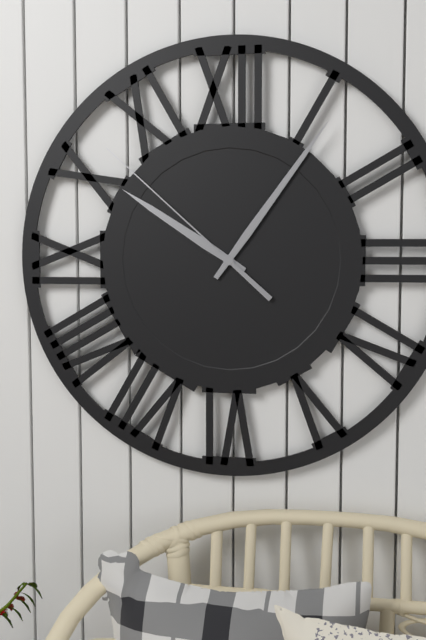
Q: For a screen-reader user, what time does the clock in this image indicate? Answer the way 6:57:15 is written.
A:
10:06:52
